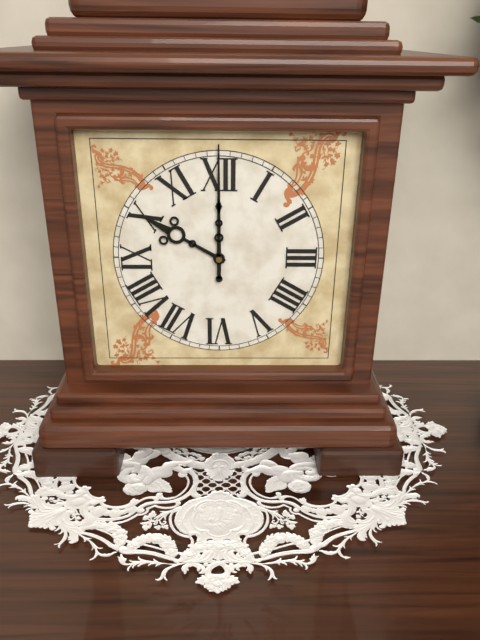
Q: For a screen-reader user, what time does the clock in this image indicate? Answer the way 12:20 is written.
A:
10:00
